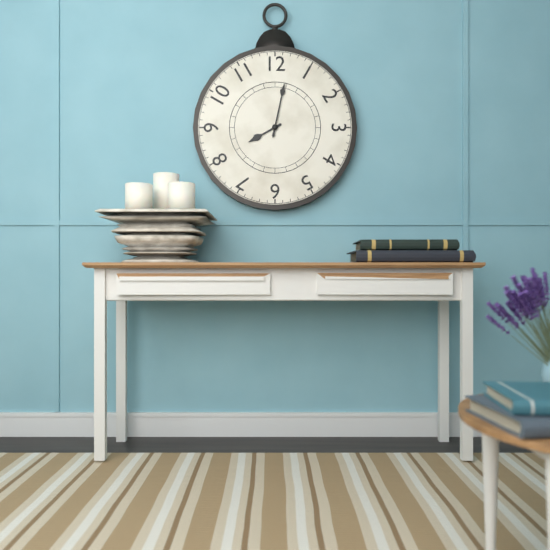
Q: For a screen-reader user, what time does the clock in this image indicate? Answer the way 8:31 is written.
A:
8:02
